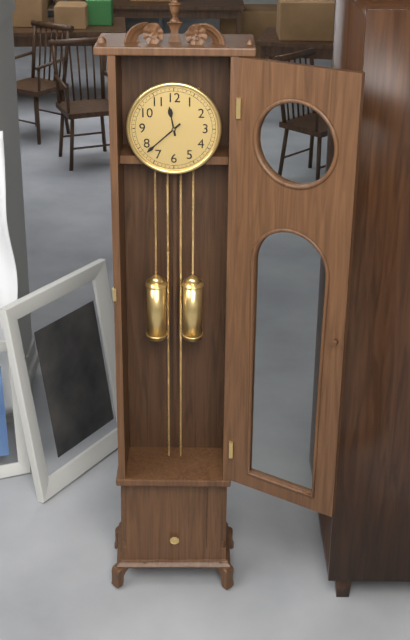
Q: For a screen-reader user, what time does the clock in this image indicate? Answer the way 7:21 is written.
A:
11:38
